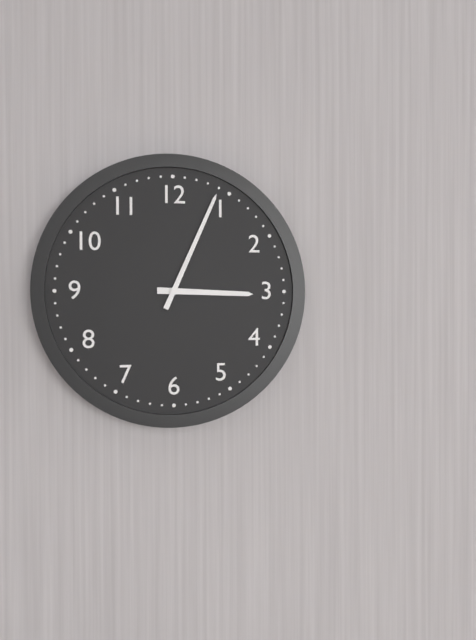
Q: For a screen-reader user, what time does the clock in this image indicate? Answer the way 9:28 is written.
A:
3:04
